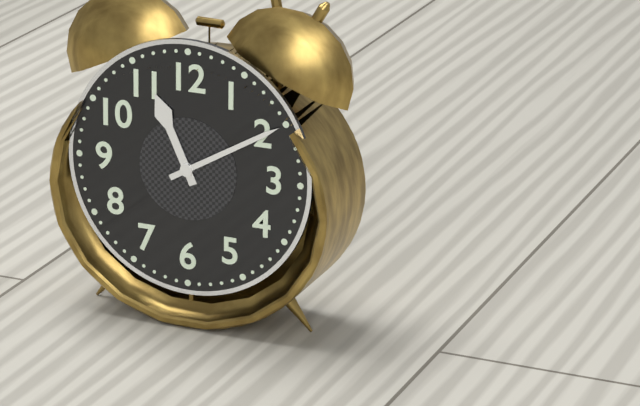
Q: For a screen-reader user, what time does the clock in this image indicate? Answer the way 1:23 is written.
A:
11:10
